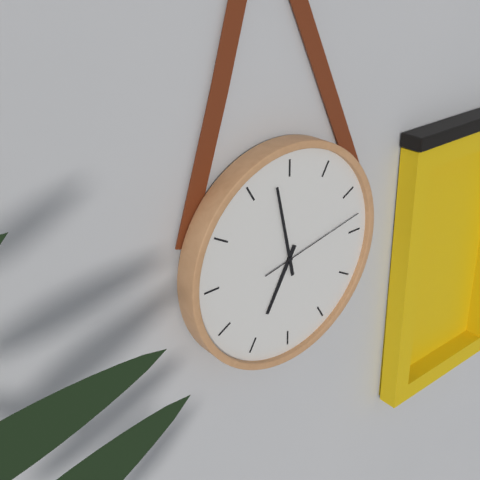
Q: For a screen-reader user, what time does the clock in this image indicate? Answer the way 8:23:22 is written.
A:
6:58:13
